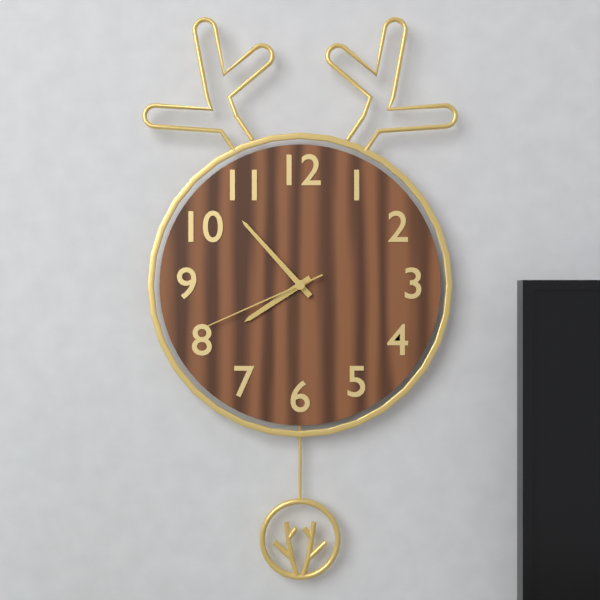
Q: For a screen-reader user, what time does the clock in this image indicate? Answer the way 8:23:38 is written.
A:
7:53:41
